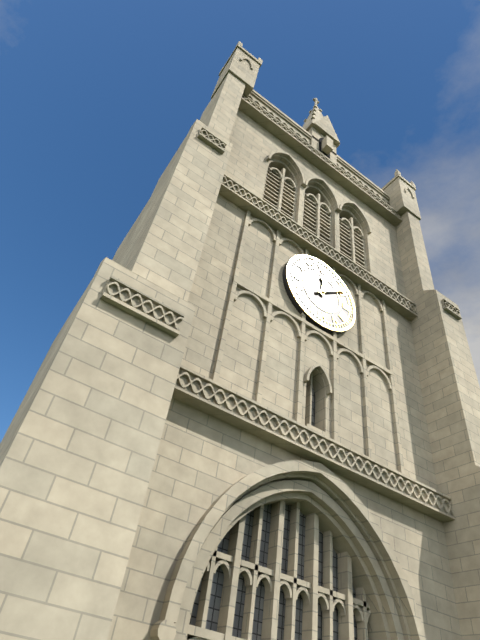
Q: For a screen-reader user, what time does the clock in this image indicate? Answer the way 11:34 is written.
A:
12:09
